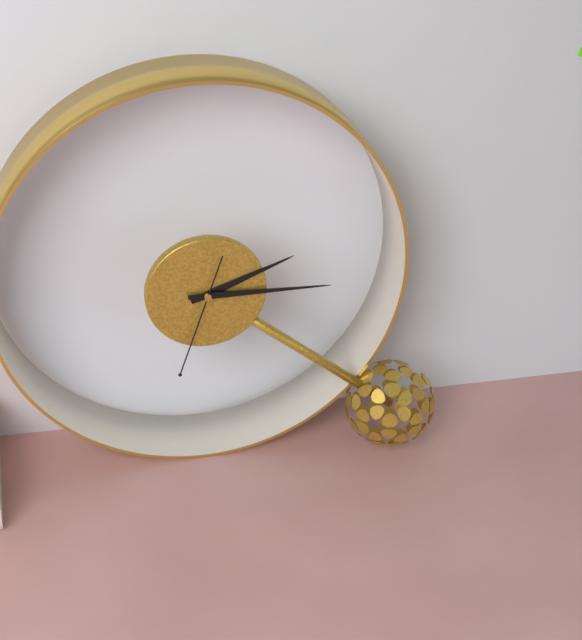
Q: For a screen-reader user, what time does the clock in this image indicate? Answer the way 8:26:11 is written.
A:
2:15:33
